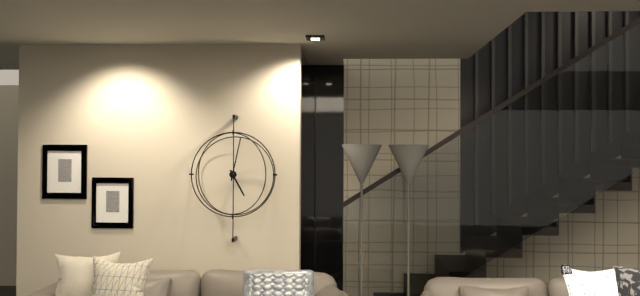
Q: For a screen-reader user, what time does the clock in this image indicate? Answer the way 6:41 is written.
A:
5:02
